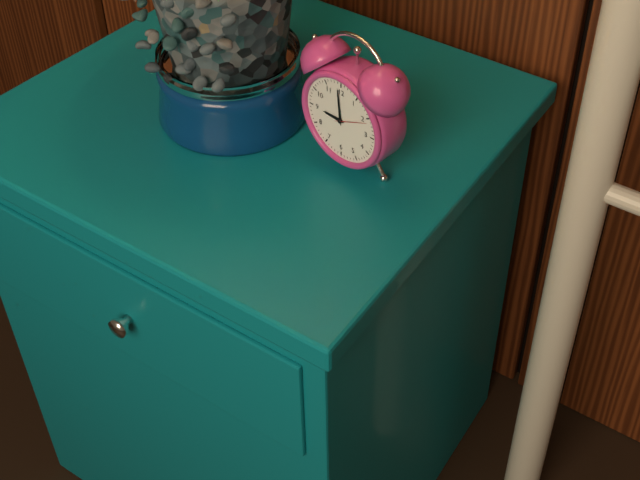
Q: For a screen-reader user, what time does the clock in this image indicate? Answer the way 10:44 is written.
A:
8:59
